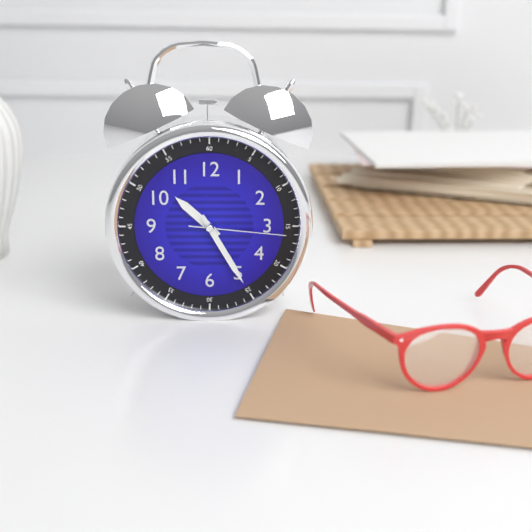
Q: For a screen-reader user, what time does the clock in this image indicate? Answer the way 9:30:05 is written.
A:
10:25:16
